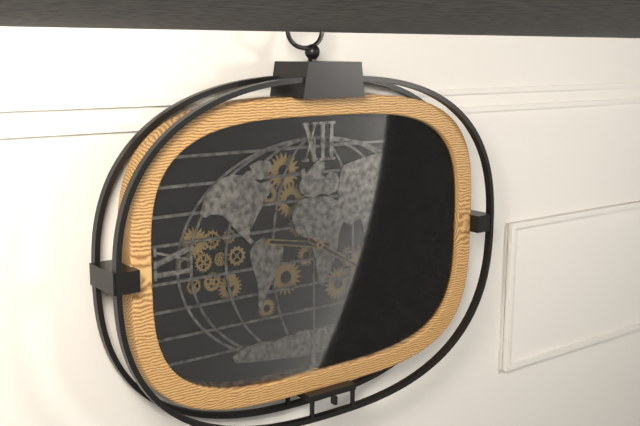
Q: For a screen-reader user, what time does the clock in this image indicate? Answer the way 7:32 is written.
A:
9:20
